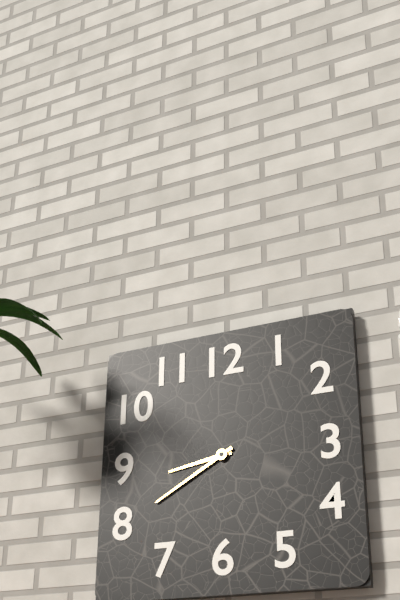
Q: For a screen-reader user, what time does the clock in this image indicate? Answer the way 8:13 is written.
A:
8:40
